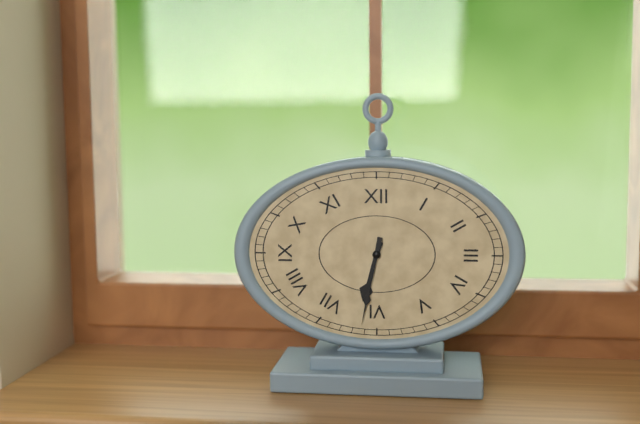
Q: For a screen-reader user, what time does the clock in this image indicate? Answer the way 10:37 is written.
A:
6:32
